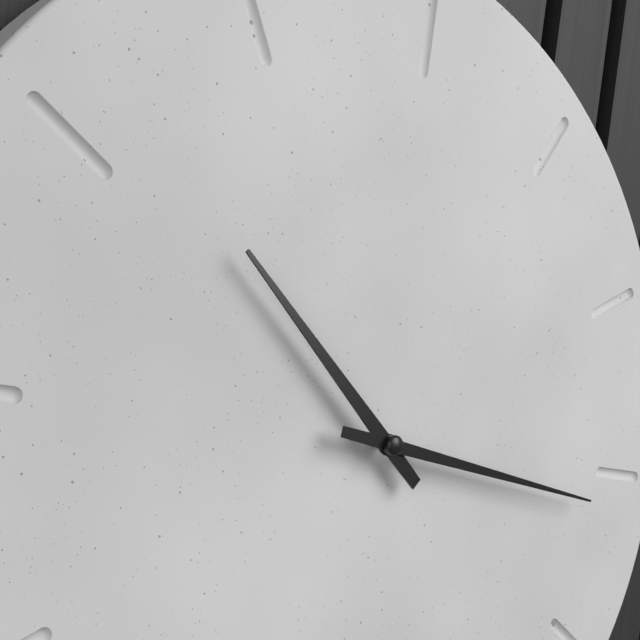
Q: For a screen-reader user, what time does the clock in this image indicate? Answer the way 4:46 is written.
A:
10:16
